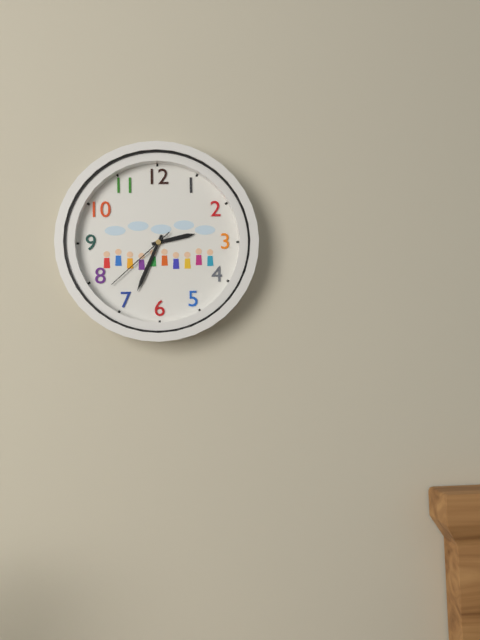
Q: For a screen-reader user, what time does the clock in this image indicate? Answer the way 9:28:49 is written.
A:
2:34:38
